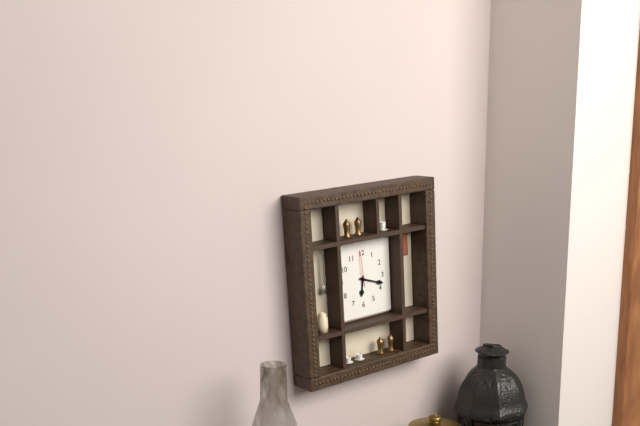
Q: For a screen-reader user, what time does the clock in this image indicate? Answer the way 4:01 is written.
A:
6:18
